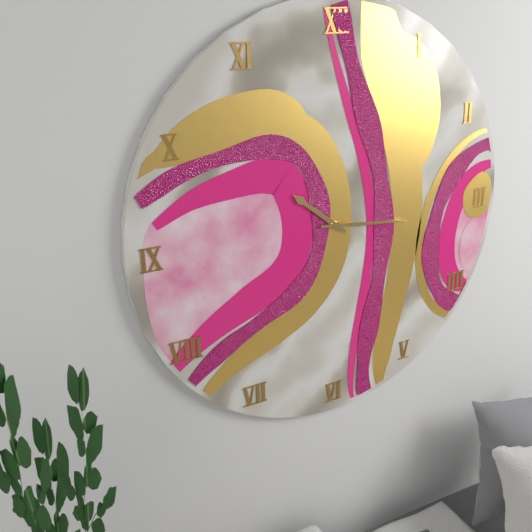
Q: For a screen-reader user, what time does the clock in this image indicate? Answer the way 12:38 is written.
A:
10:16
